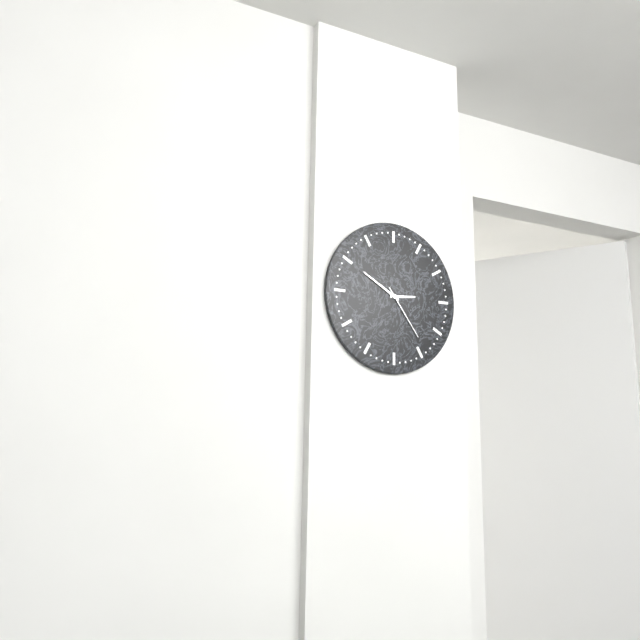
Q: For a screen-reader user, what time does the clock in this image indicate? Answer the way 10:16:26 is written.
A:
2:50:24
